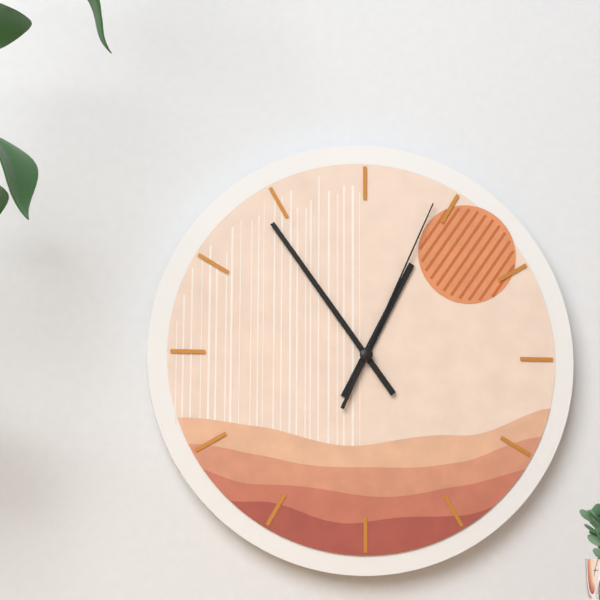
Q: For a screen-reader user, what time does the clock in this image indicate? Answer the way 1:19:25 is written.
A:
12:54:04
